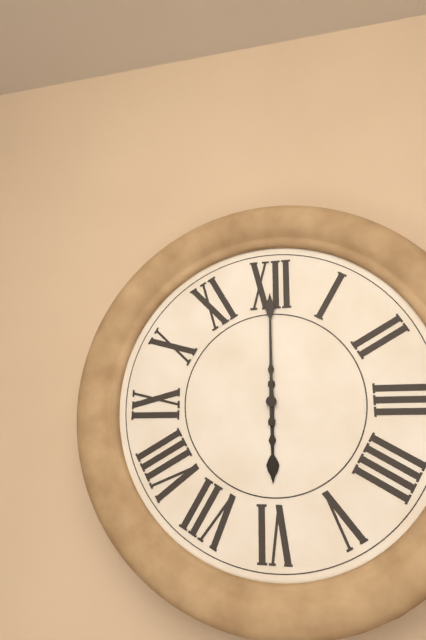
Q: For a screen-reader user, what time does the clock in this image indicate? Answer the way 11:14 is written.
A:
6:00
